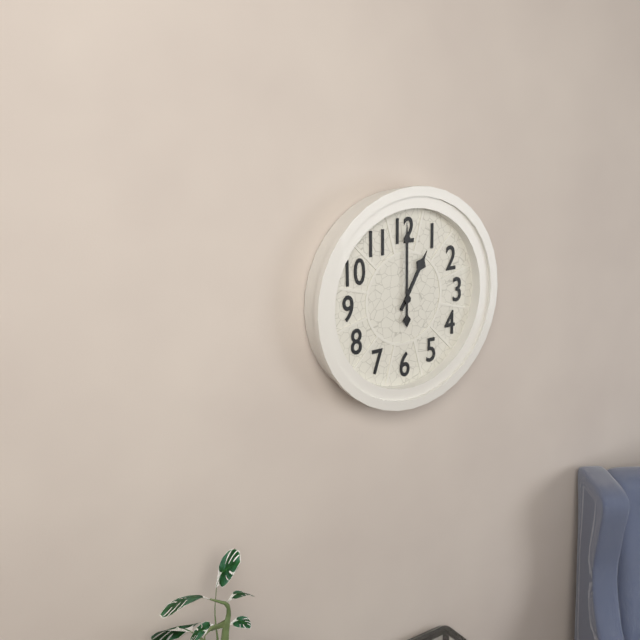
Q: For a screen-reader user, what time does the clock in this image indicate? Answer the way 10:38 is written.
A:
1:00
